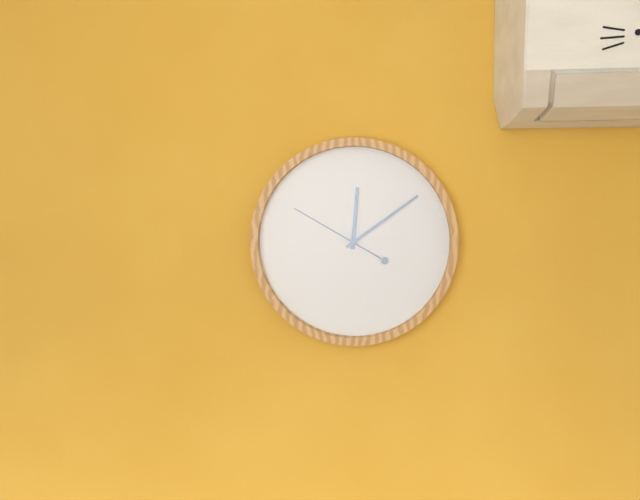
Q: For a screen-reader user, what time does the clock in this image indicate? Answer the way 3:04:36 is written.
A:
12:09:50
